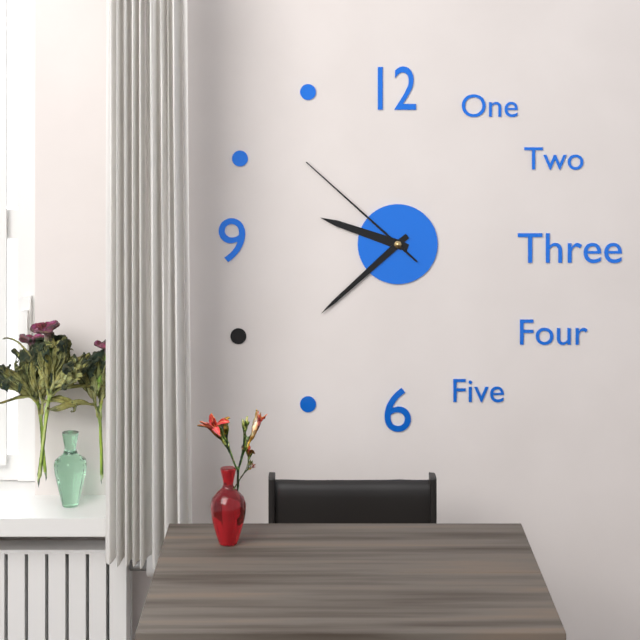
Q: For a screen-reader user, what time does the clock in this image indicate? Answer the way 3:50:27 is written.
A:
9:38:52
